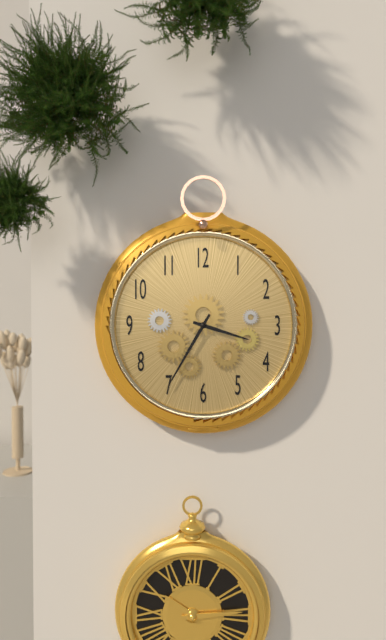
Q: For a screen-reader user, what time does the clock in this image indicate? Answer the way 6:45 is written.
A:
3:35
